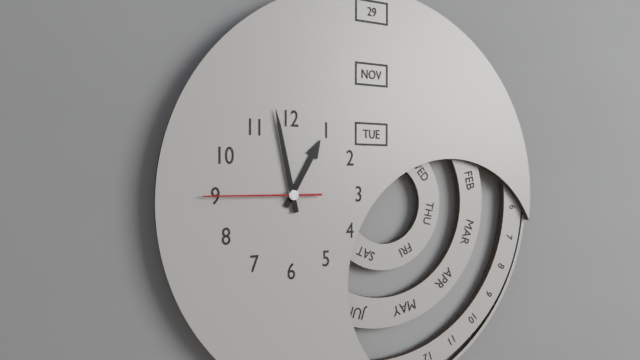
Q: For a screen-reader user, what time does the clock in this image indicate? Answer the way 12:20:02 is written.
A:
12:58:45
